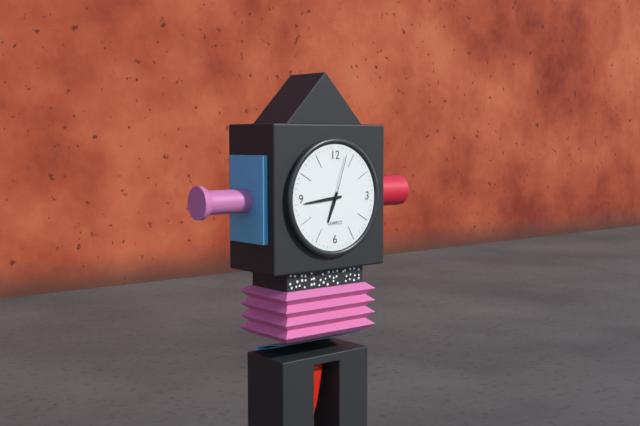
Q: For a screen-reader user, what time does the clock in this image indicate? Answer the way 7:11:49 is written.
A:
6:44:03
